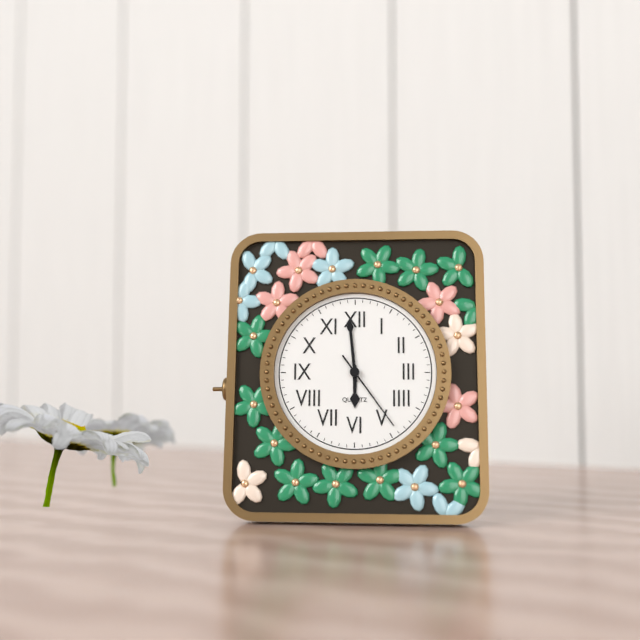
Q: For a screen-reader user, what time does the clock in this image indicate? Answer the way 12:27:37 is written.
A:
5:59:24
